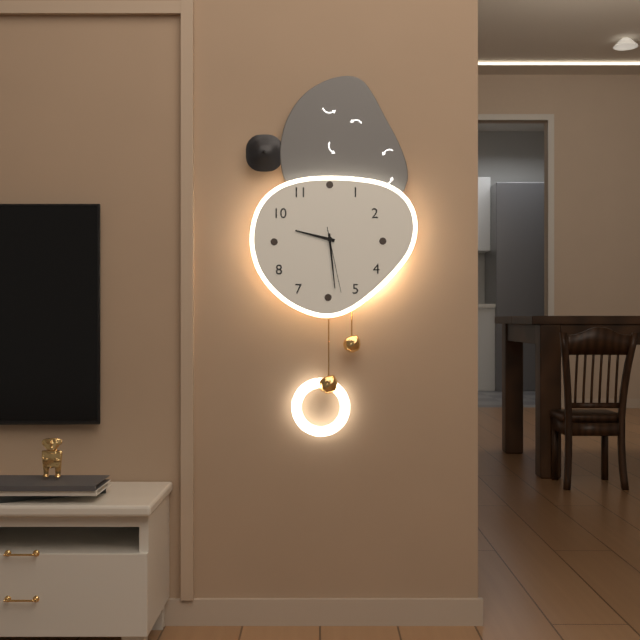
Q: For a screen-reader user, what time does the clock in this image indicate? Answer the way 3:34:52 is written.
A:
9:29:28
